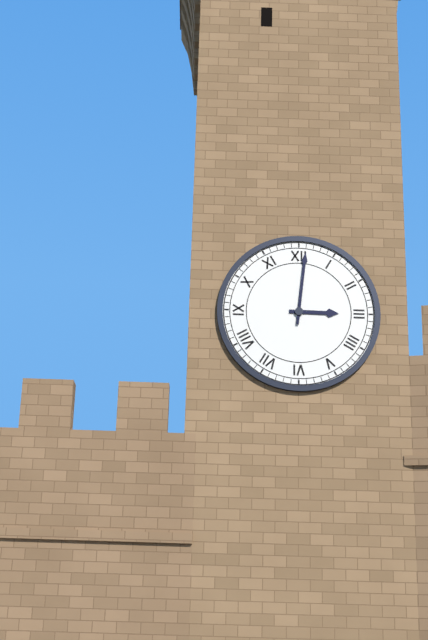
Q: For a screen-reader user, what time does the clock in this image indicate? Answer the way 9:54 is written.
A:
3:01
